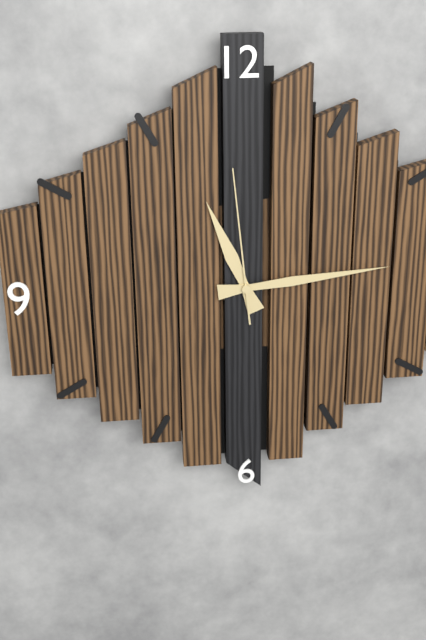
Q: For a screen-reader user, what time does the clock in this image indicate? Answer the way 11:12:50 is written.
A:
11:14:59
